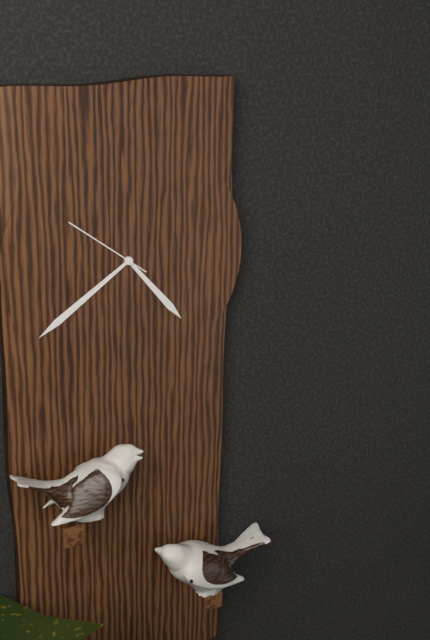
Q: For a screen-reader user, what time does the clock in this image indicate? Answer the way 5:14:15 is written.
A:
4:39:51
